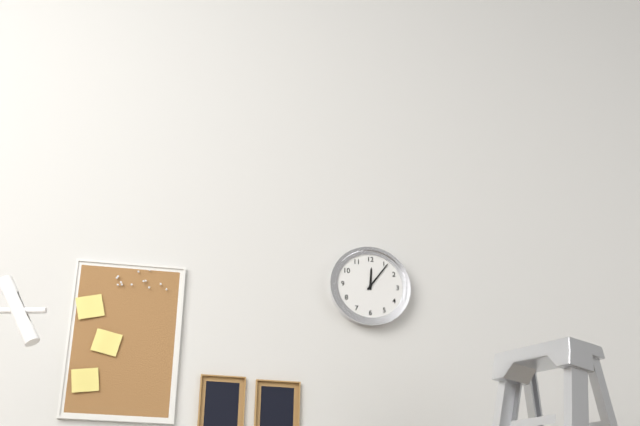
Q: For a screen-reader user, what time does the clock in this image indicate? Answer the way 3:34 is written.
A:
12:06
